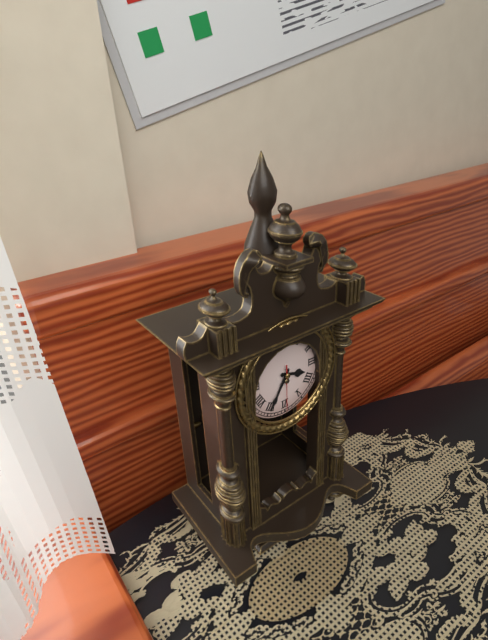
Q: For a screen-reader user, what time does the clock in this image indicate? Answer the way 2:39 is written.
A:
3:35
